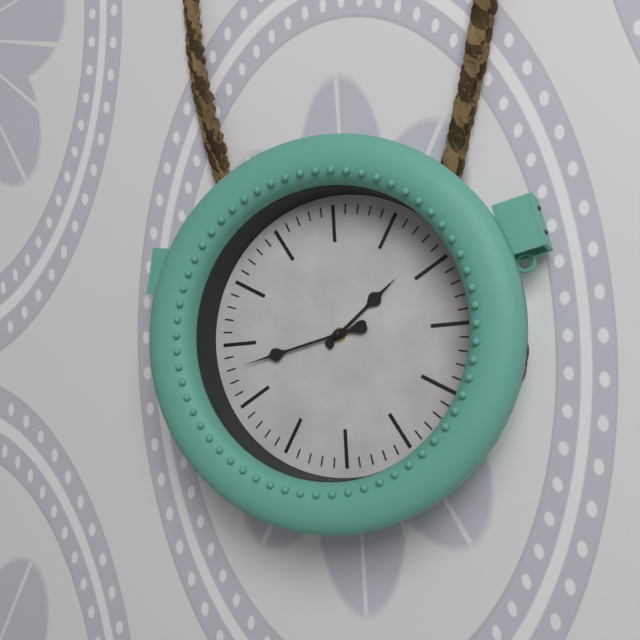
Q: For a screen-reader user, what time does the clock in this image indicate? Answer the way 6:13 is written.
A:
1:43
